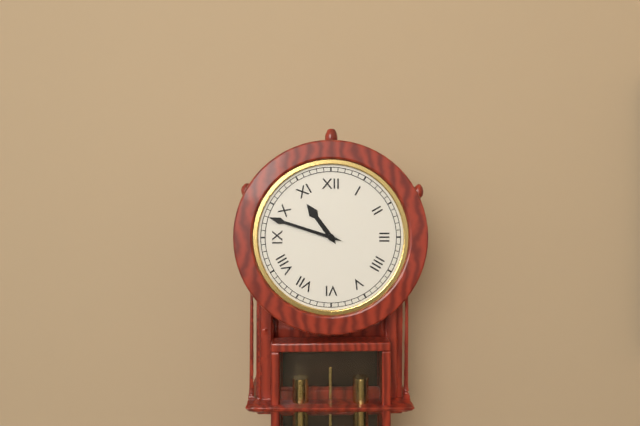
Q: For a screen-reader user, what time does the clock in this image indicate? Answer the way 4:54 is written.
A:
10:48
